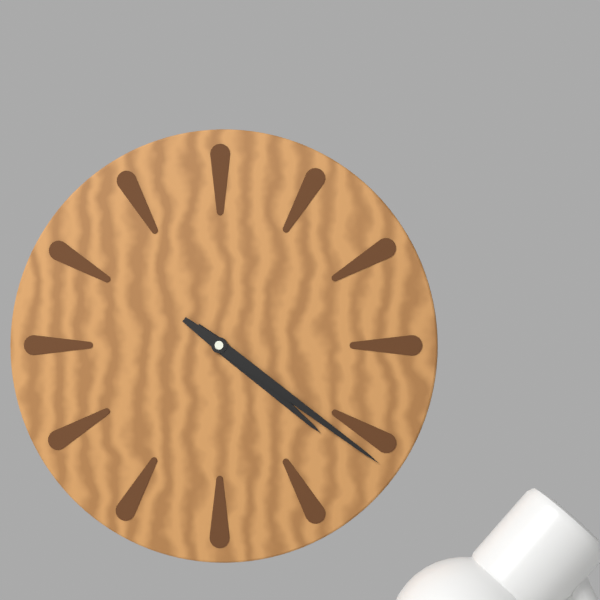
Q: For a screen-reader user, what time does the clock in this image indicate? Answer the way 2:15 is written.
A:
4:21
